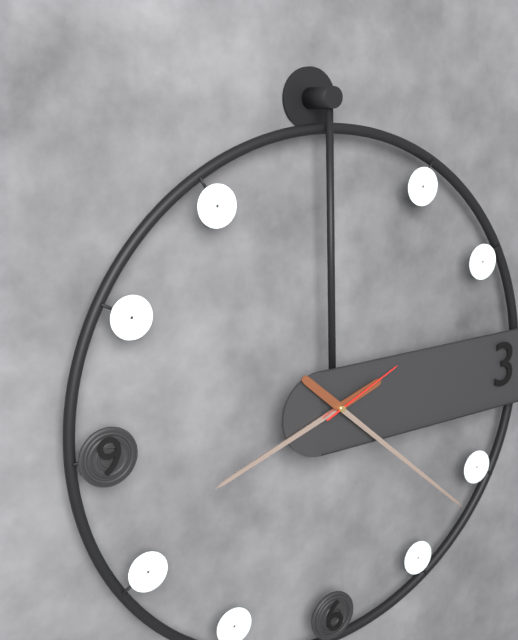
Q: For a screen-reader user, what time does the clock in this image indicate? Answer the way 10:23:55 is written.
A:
8:22:11
